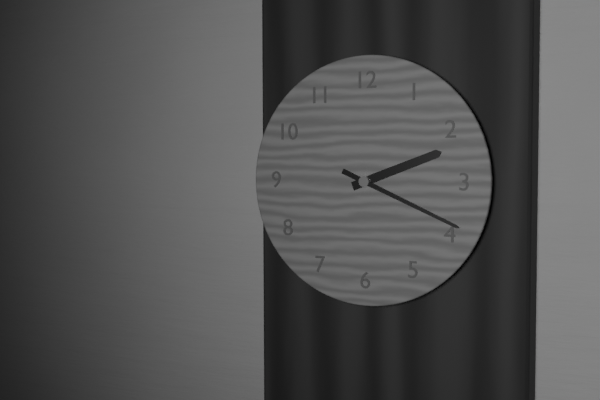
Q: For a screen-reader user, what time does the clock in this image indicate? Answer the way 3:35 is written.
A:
2:19
